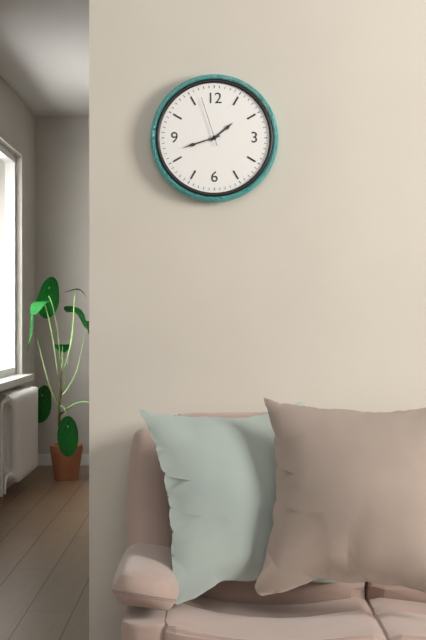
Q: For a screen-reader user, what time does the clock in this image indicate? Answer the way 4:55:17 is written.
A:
1:42:57
